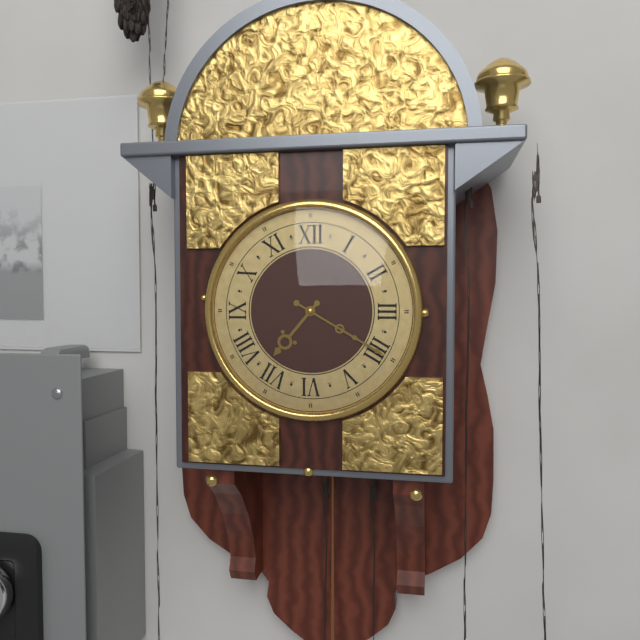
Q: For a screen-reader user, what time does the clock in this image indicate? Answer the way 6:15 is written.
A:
7:20
